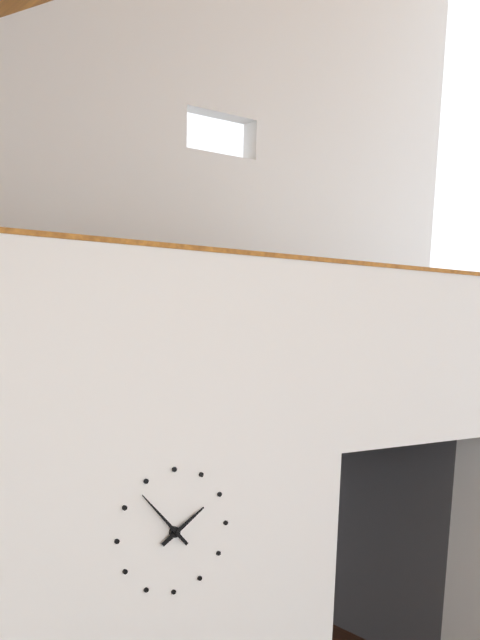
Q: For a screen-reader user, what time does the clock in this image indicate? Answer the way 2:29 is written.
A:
1:53
